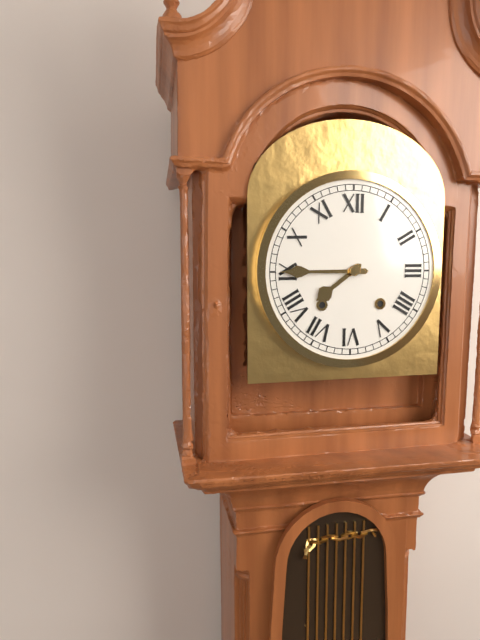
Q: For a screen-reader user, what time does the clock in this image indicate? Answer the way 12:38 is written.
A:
7:45
